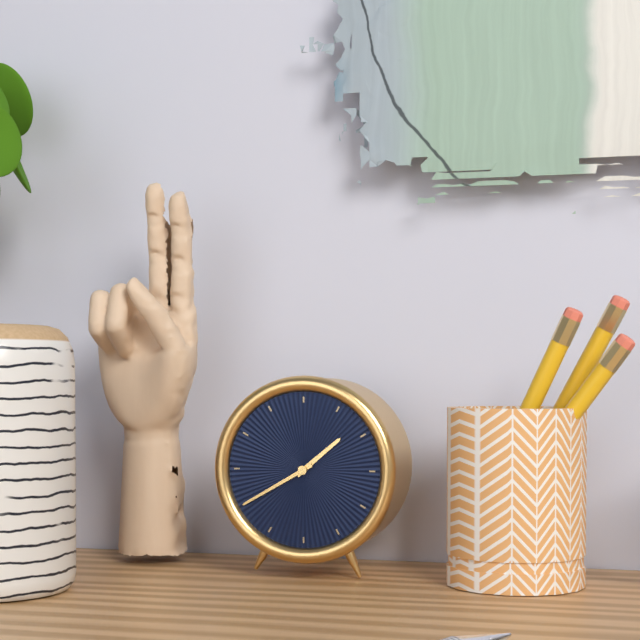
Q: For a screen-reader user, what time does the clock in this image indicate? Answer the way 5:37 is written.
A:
1:40
